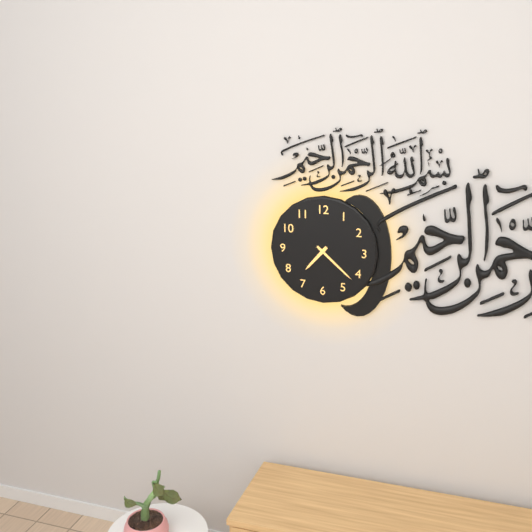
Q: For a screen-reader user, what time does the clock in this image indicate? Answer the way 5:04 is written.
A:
7:22
